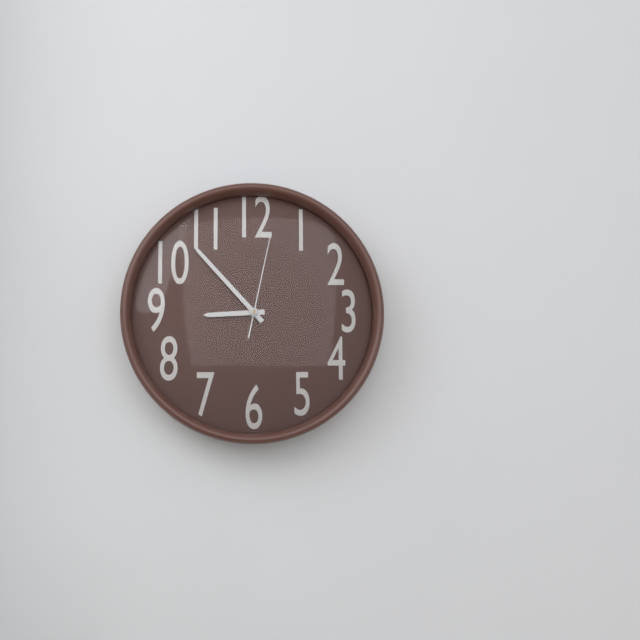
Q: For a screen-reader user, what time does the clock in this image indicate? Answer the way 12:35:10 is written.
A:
8:53:02
